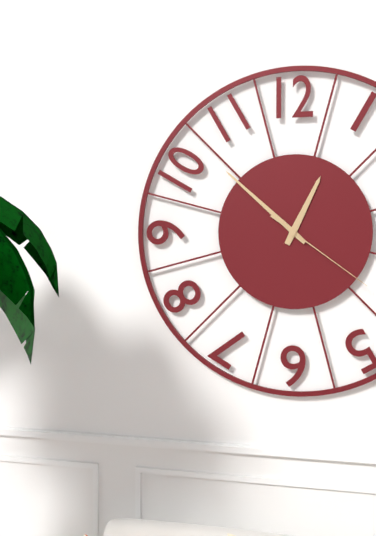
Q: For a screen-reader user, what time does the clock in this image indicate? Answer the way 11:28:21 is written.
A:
12:52:21
